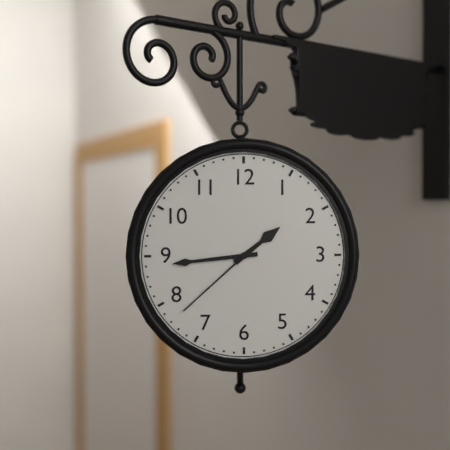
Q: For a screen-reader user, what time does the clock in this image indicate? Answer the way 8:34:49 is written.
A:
1:44:38
